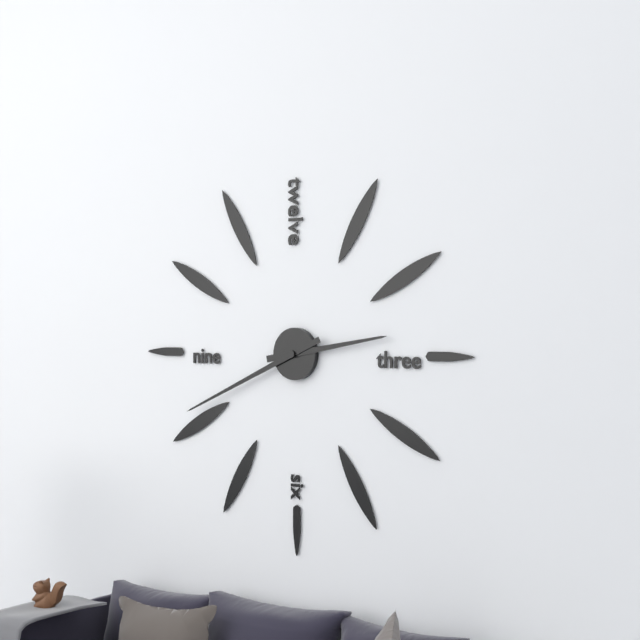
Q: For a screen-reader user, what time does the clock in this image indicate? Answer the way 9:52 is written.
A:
2:41
